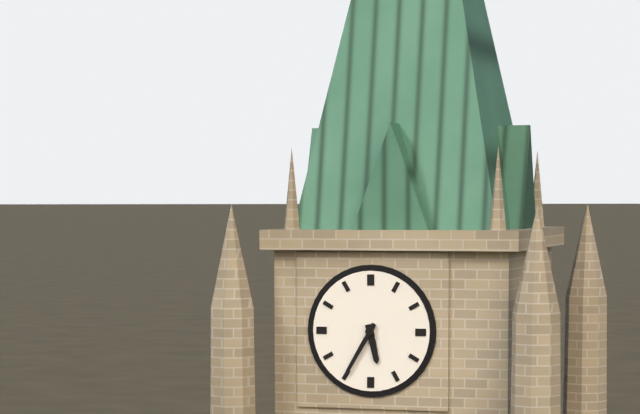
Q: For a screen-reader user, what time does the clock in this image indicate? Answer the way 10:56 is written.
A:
5:35
